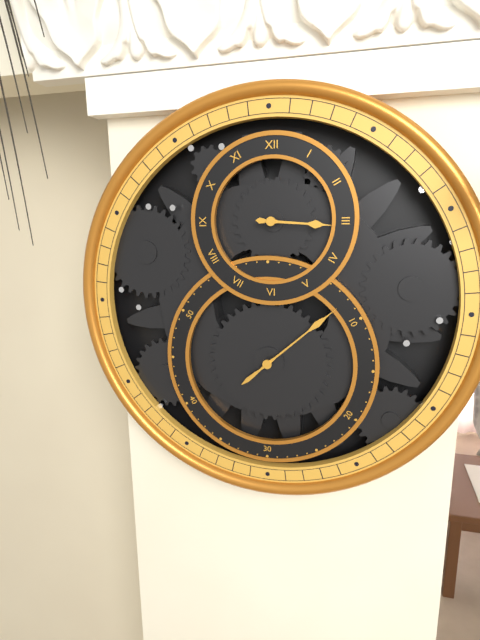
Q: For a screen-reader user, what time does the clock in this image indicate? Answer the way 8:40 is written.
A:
3:08
